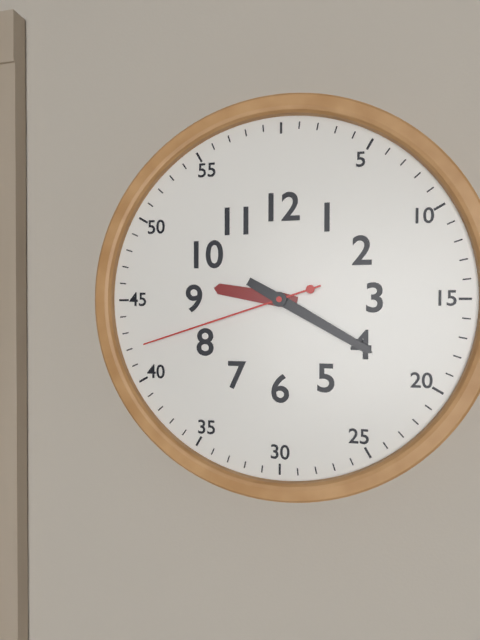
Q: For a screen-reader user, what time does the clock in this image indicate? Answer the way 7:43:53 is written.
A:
9:20:42
